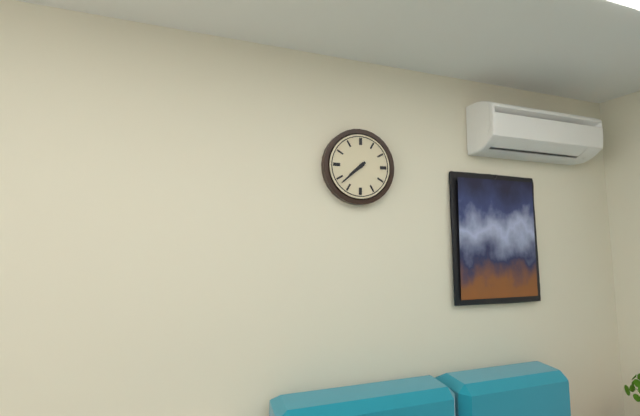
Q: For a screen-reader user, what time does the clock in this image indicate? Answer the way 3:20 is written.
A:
7:38
